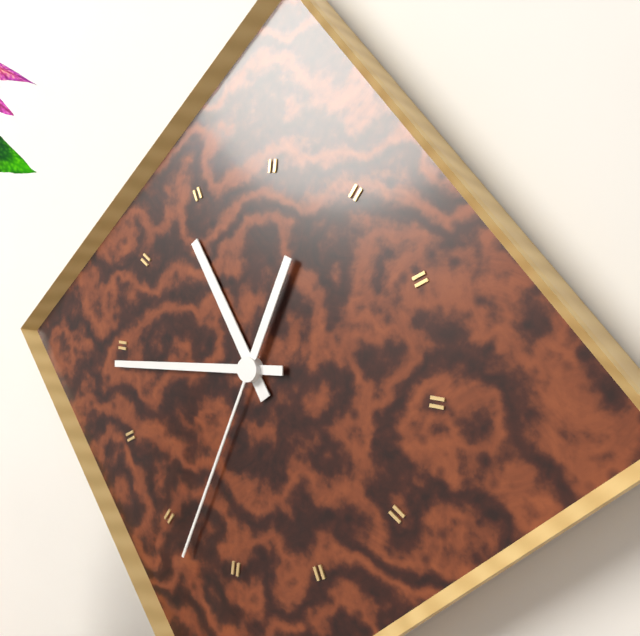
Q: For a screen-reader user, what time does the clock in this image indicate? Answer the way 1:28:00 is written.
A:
10:44:33
